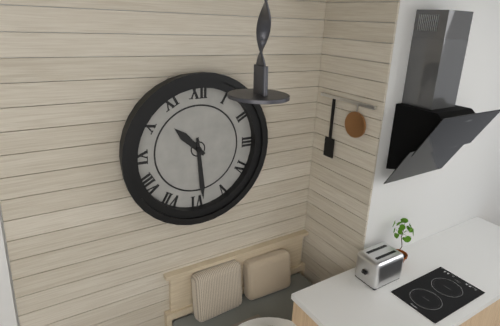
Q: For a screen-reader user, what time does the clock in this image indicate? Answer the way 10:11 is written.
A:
10:29
